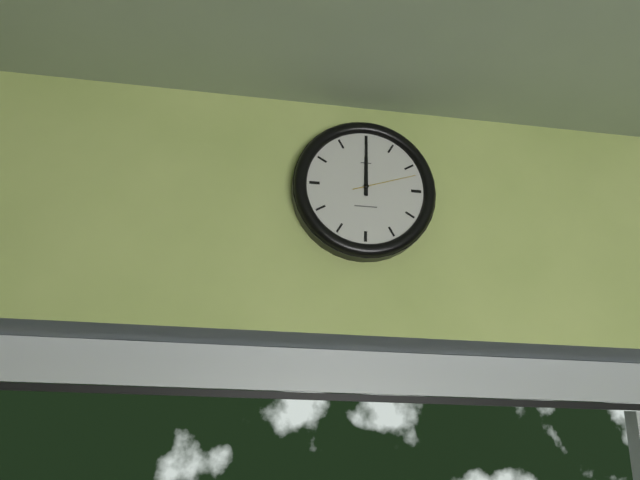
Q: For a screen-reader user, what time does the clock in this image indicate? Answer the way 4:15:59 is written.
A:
12:00:12
